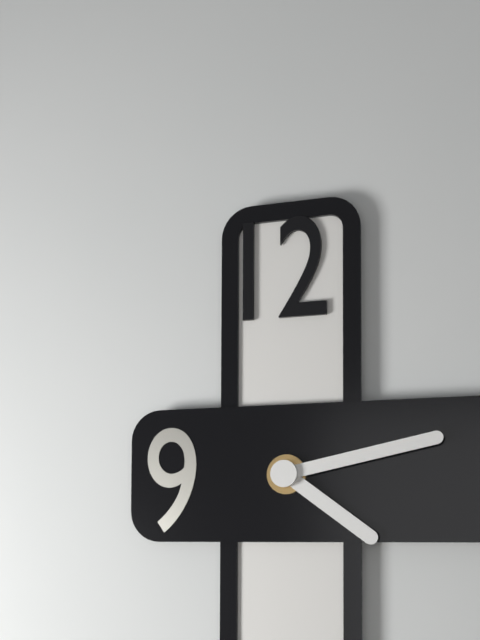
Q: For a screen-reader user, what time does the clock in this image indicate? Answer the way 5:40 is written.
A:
4:13
